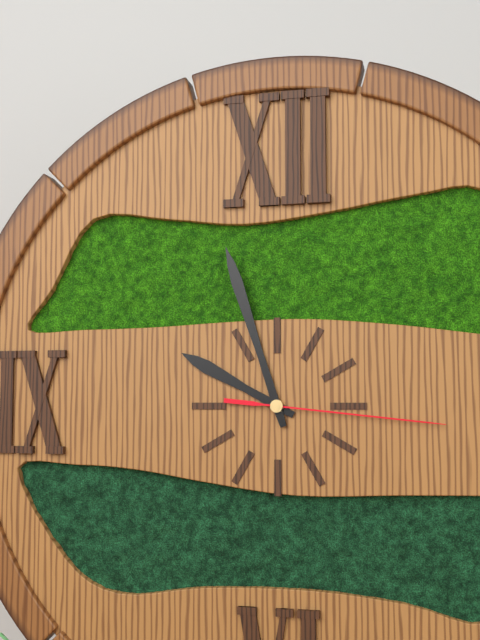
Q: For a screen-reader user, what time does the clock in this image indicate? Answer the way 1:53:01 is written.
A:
9:57:16
